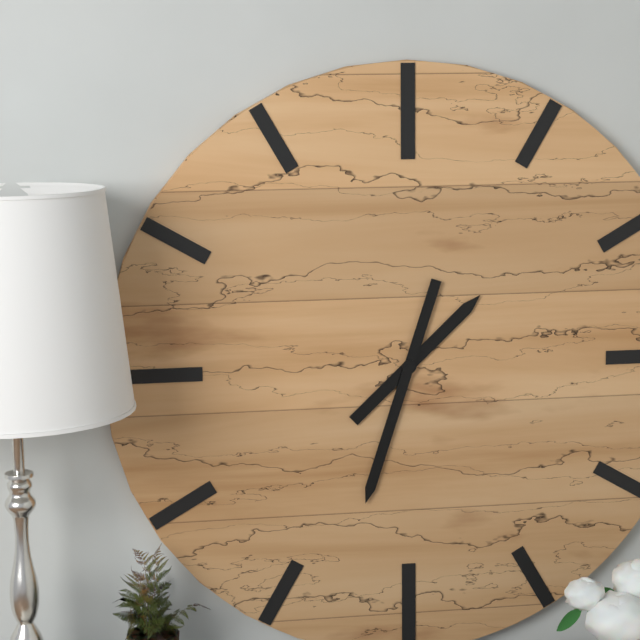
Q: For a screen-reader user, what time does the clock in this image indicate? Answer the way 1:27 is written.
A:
1:33
